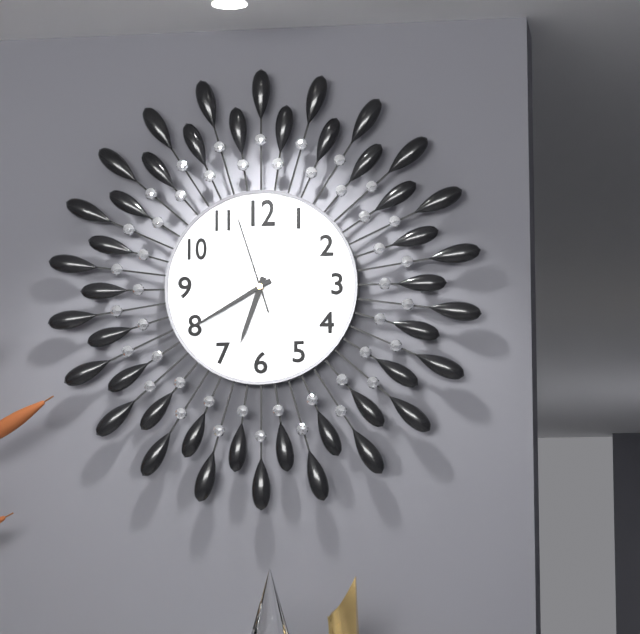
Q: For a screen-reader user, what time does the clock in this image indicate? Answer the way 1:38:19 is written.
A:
6:40:57
